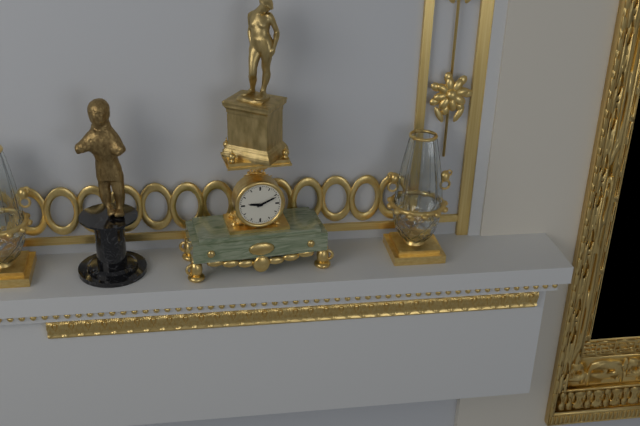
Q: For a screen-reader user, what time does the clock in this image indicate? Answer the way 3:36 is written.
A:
9:11
